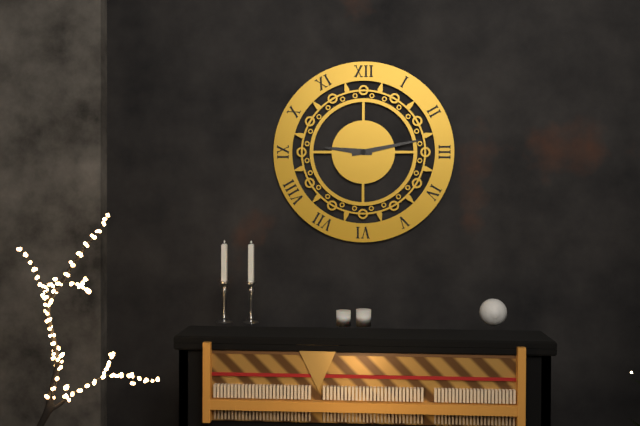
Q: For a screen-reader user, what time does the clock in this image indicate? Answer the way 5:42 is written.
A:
9:13
